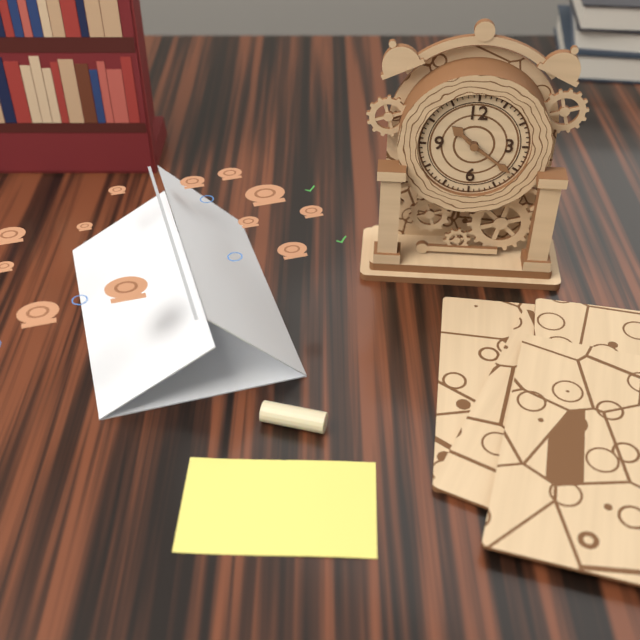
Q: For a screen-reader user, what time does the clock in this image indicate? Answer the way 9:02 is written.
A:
10:21
